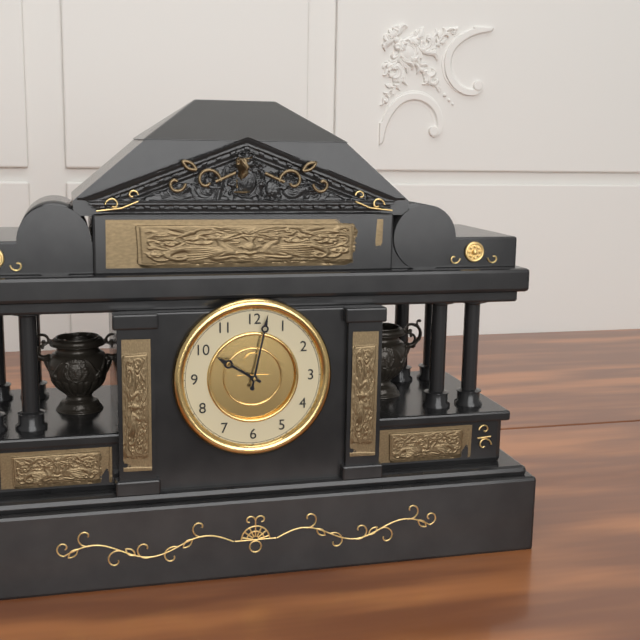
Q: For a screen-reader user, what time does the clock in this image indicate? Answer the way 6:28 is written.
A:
10:02
